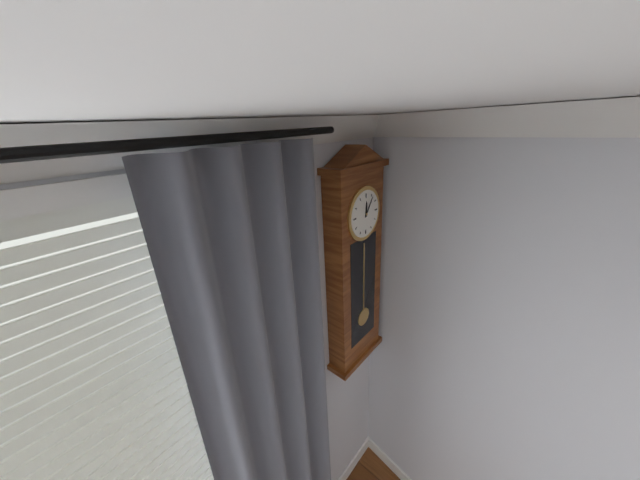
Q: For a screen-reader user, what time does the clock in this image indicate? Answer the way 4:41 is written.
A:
12:06
